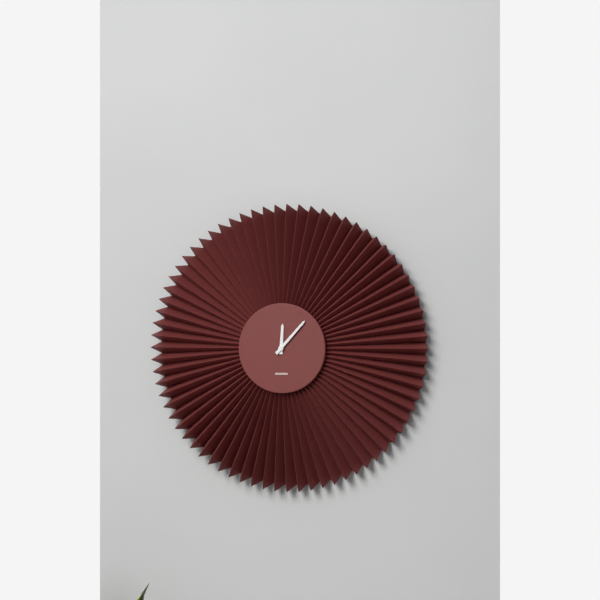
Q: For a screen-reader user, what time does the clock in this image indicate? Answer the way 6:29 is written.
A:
12:07
